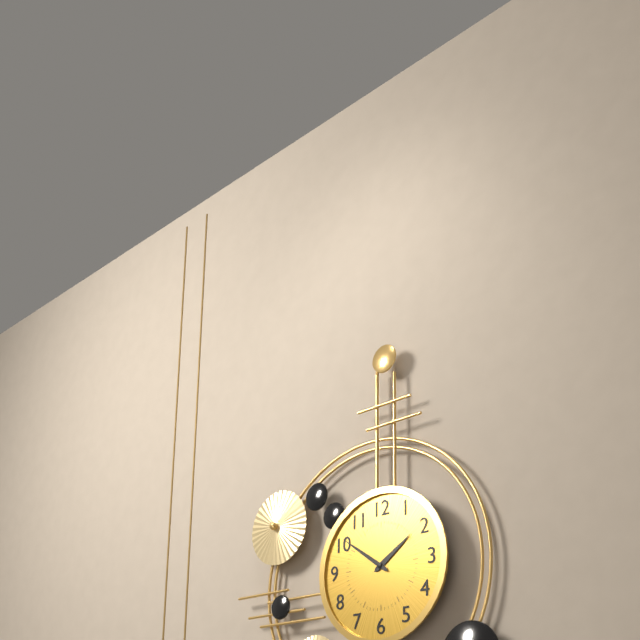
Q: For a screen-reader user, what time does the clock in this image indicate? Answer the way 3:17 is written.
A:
1:51
